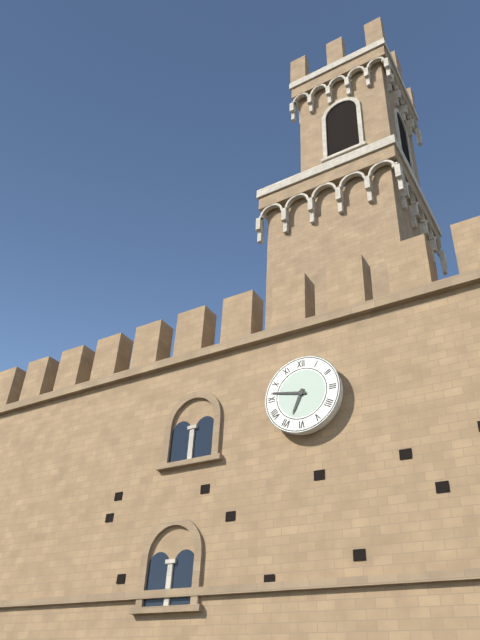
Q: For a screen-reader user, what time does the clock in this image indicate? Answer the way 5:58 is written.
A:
6:47
